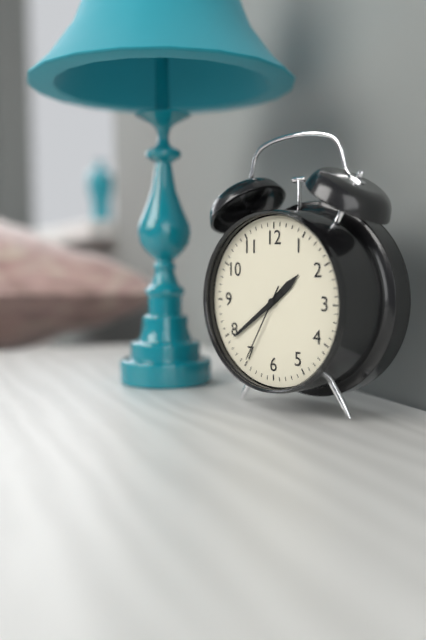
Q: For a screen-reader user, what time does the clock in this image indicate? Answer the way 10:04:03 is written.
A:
1:39:35
